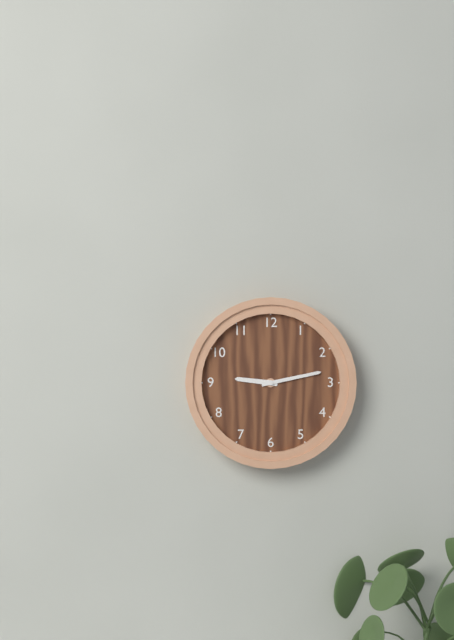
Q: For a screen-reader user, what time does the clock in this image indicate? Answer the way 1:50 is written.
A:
9:13
